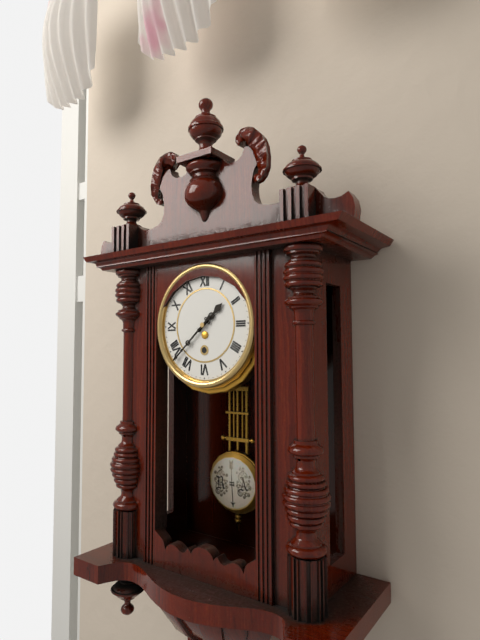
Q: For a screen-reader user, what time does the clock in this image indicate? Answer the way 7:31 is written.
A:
1:38
